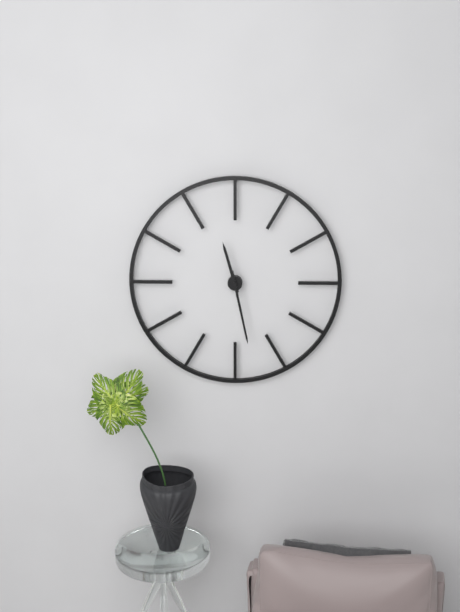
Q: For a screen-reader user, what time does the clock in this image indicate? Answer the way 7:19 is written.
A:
11:28
